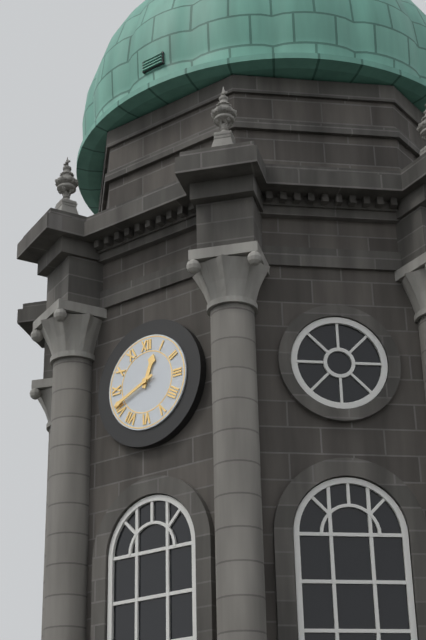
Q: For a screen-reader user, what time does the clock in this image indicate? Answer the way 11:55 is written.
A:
12:41
